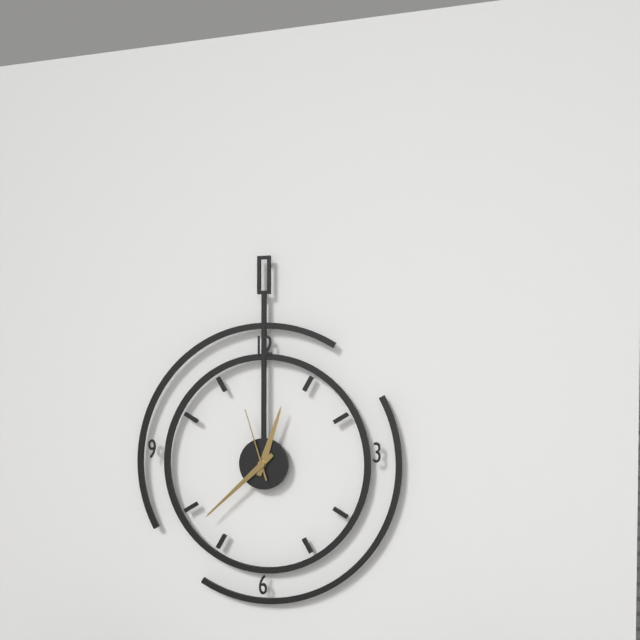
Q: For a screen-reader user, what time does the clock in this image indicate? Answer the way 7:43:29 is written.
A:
12:38:57
